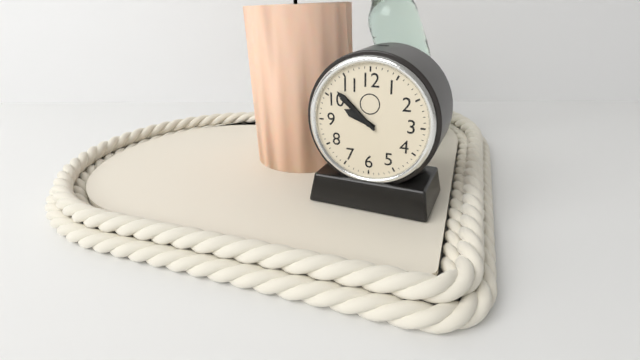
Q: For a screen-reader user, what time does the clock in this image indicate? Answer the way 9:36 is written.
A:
9:52
